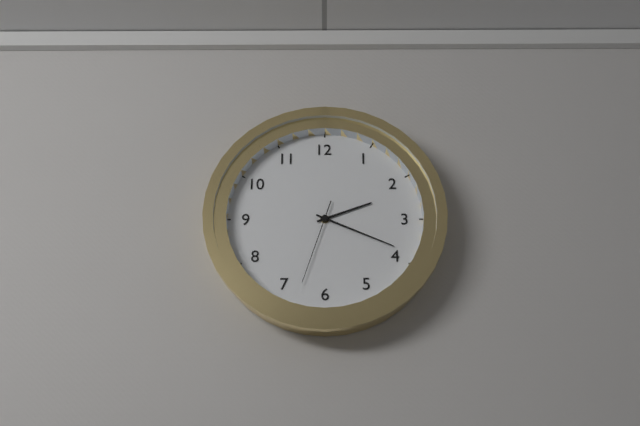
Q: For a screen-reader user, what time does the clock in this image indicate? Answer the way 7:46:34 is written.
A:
2:19:33
